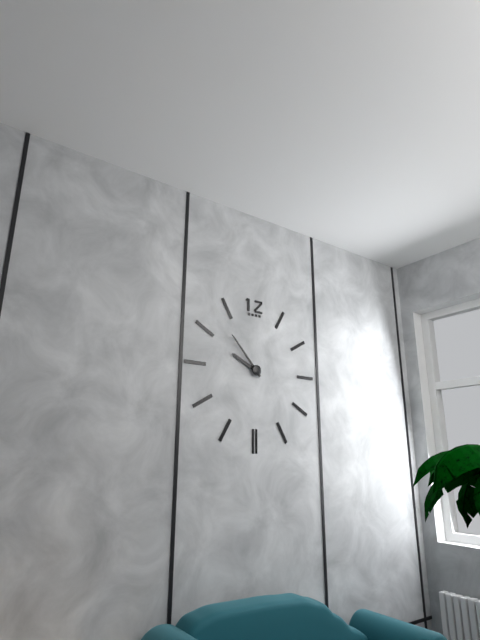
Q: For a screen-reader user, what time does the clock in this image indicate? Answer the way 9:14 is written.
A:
9:53
